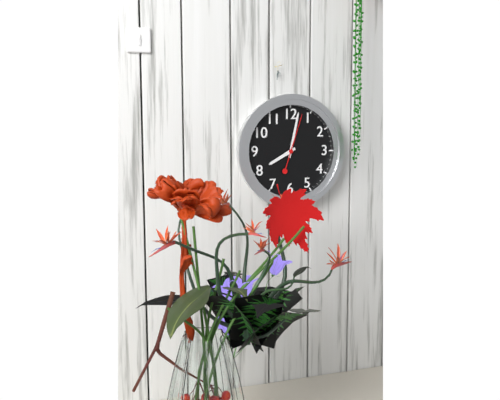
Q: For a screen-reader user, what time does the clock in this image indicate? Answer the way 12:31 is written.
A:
8:02
